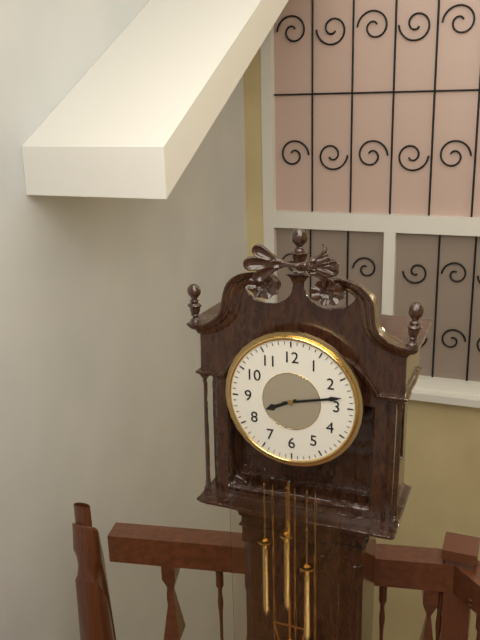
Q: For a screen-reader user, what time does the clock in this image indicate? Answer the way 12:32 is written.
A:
8:13
